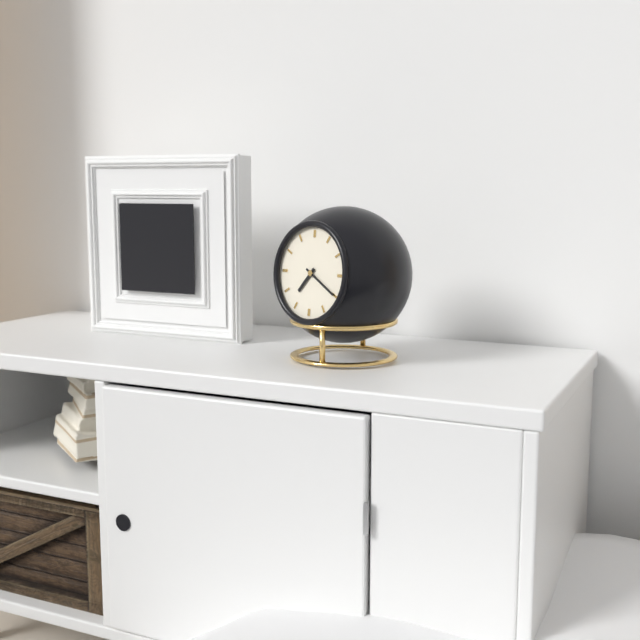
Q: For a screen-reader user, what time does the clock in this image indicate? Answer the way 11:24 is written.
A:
7:20
